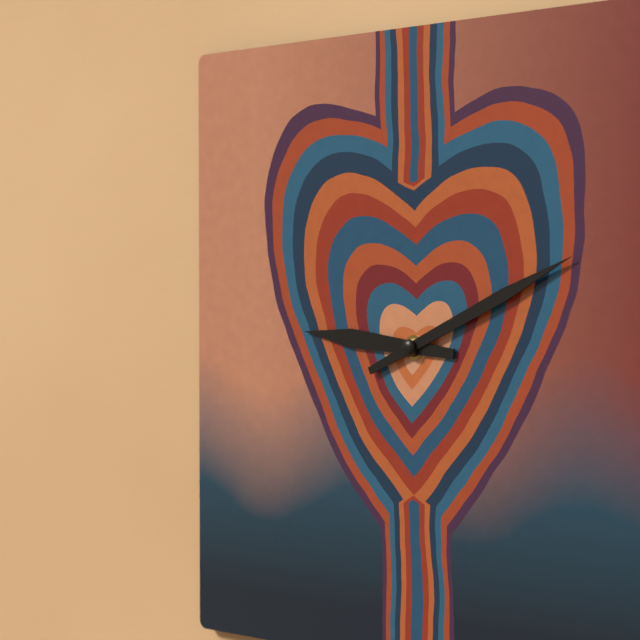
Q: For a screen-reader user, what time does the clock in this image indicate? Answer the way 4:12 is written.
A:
9:11
